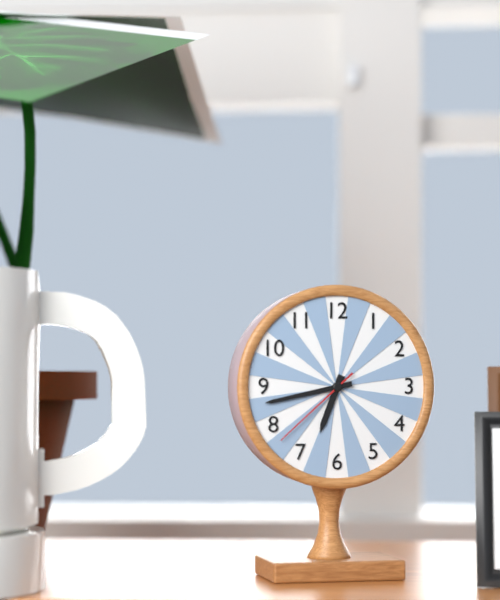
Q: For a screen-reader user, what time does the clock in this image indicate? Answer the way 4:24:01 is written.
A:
6:43:38
